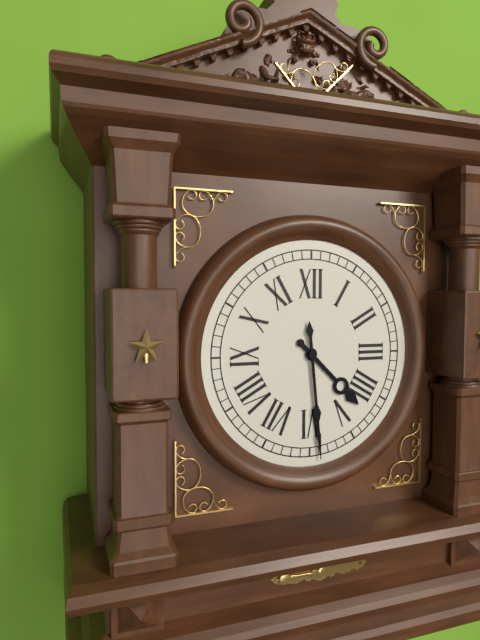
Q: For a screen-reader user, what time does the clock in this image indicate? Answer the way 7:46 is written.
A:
4:29
